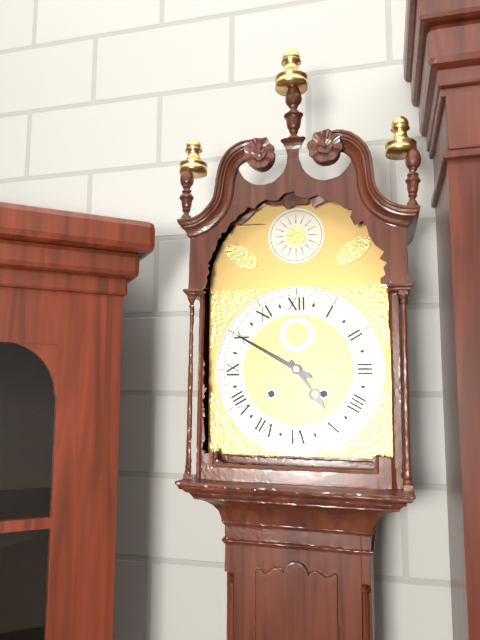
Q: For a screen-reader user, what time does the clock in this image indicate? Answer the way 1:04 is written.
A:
4:50
